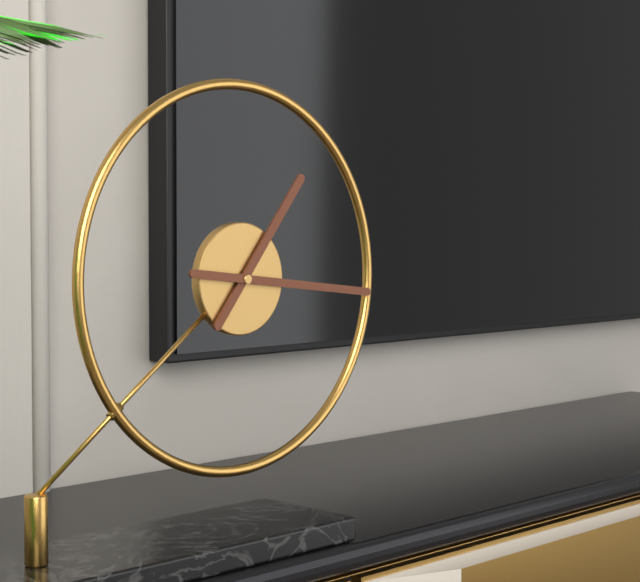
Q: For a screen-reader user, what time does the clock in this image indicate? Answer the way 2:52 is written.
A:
1:16
